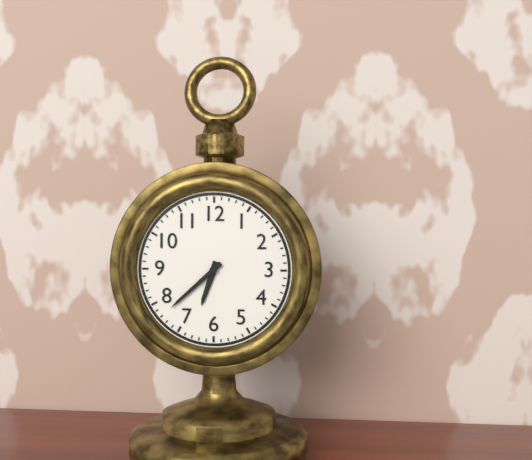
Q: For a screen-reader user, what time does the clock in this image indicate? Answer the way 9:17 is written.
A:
6:38
